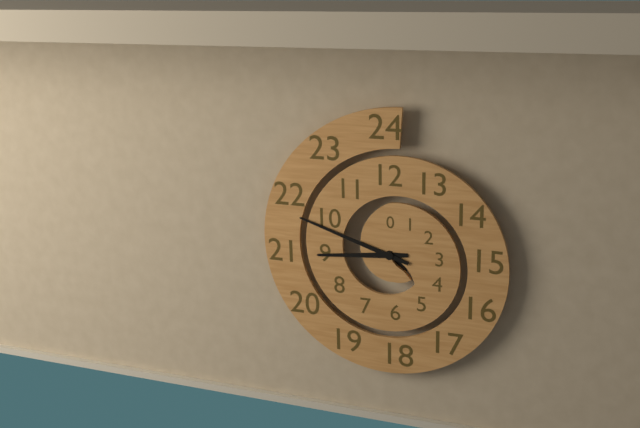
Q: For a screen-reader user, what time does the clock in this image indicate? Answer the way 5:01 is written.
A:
8:48
